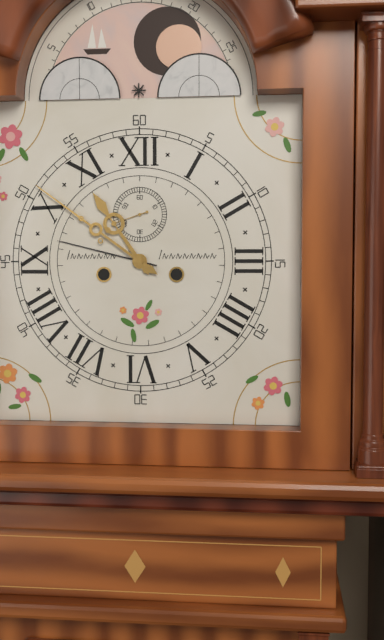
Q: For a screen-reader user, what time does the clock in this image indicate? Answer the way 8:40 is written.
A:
10:51
